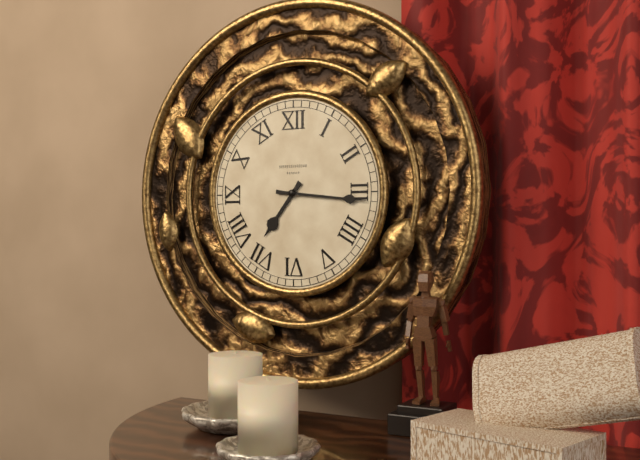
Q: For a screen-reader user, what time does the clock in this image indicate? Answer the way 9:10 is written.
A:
7:16
